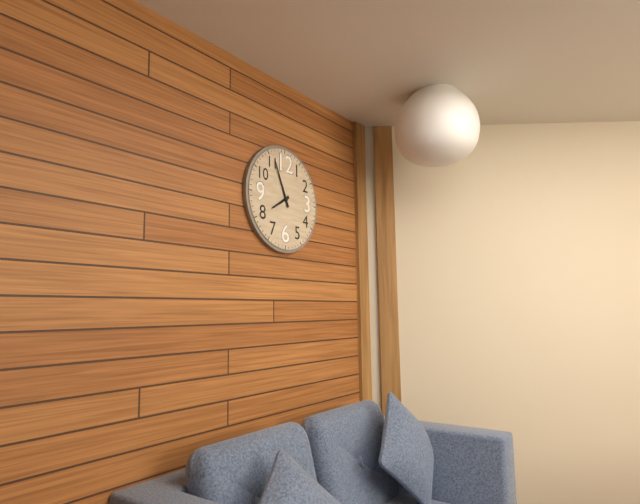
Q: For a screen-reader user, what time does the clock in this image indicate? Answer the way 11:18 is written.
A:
7:56
